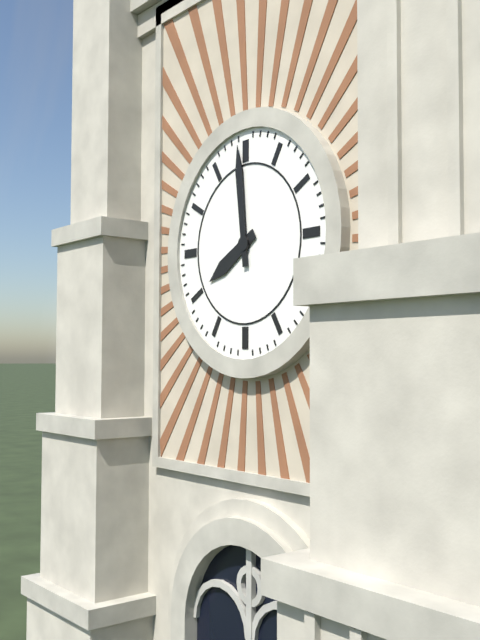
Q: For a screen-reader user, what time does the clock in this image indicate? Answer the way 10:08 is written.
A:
7:59
